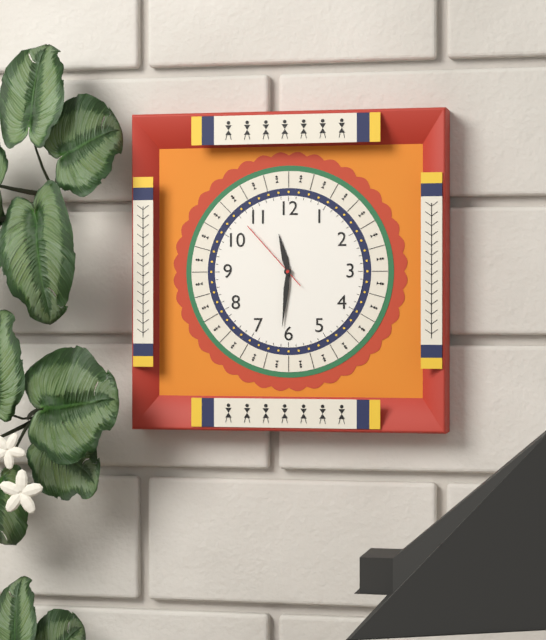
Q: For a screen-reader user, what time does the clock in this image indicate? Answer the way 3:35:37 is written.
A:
11:31:53
